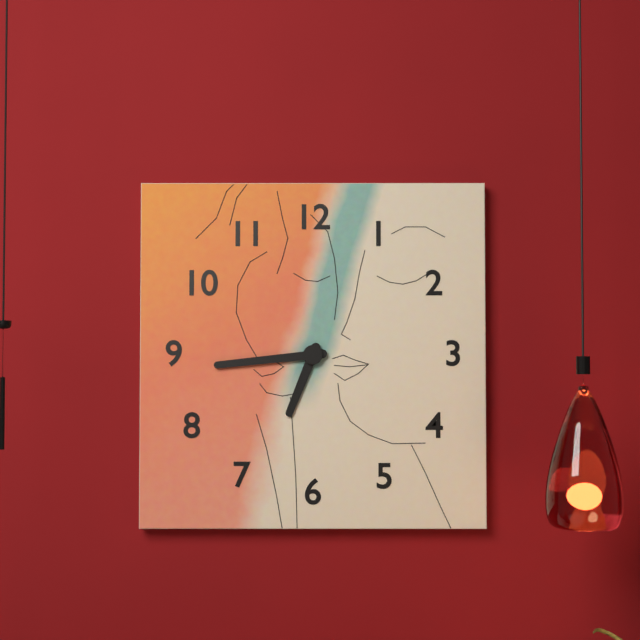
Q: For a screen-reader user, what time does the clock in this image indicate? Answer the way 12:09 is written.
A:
6:44
